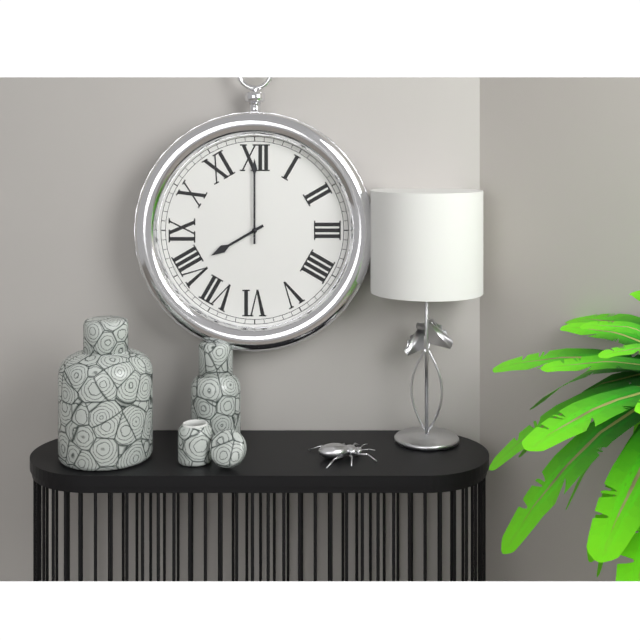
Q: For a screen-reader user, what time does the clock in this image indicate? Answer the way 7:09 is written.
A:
8:00
